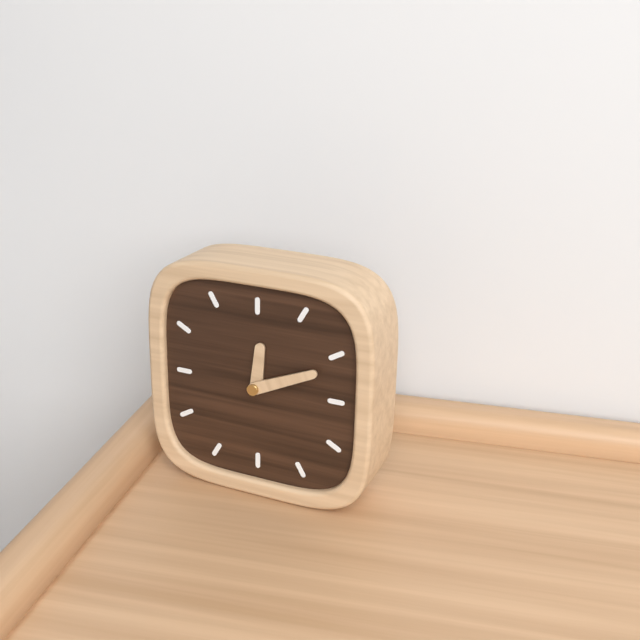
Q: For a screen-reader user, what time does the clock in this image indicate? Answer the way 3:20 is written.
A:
12:11
